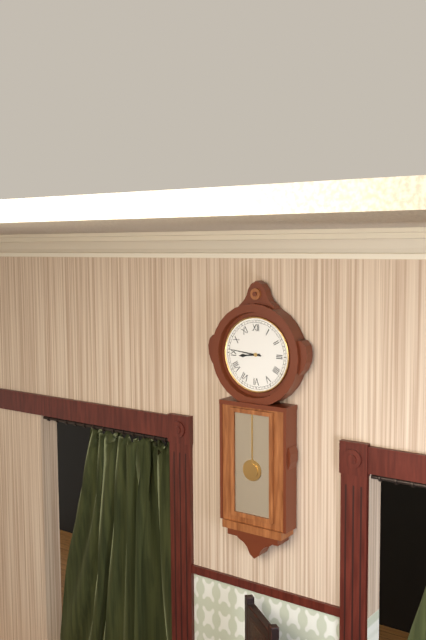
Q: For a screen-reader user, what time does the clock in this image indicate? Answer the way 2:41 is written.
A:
8:46
